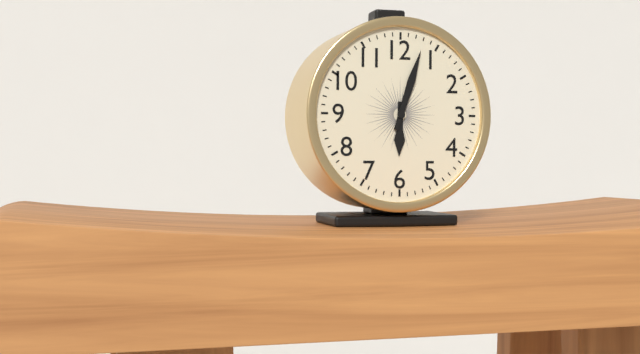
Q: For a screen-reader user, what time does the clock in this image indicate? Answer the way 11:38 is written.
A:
6:03
